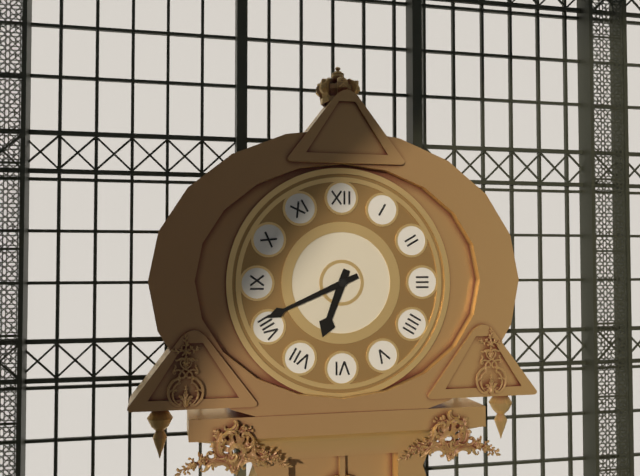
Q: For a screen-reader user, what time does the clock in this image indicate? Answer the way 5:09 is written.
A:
6:41
